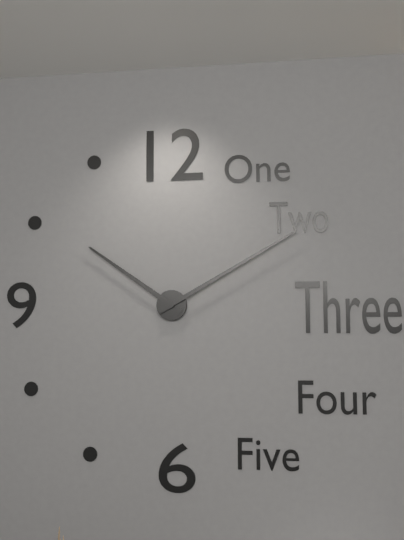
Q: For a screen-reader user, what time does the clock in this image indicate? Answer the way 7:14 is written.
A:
10:10
